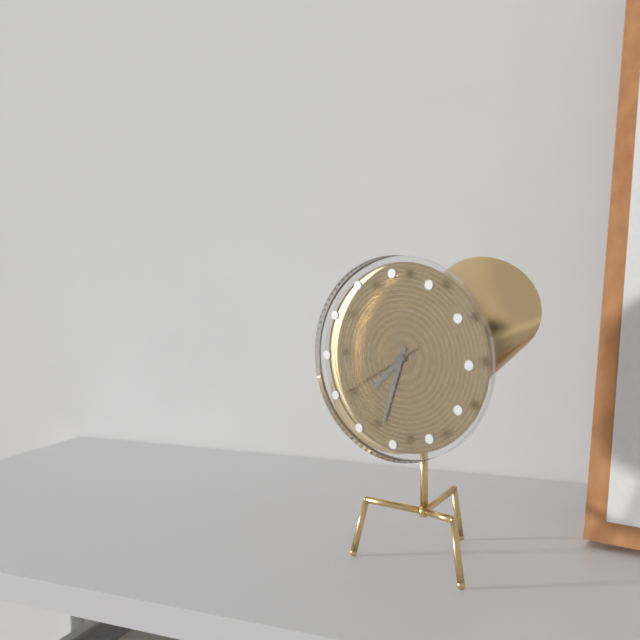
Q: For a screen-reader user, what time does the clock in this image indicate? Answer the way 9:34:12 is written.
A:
7:33:40
